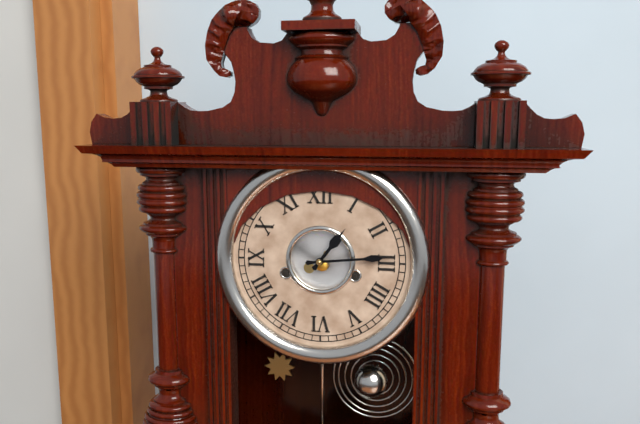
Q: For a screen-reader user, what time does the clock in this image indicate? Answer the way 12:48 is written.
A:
1:14
